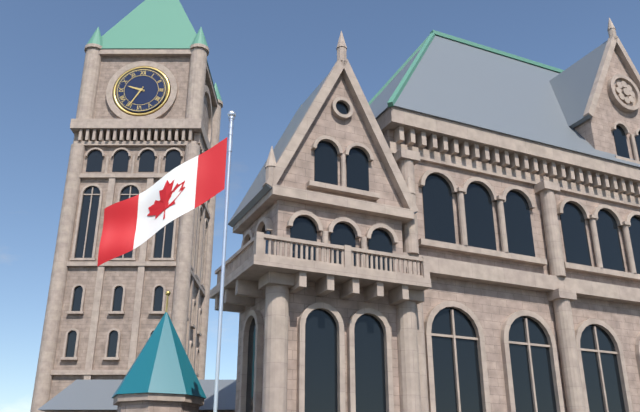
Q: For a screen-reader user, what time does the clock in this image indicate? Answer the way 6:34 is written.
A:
9:35
